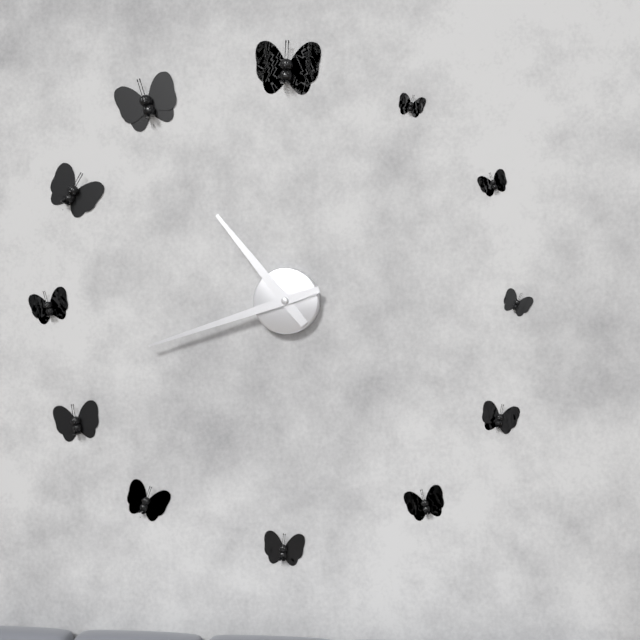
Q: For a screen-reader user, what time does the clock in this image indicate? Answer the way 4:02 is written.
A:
10:42
